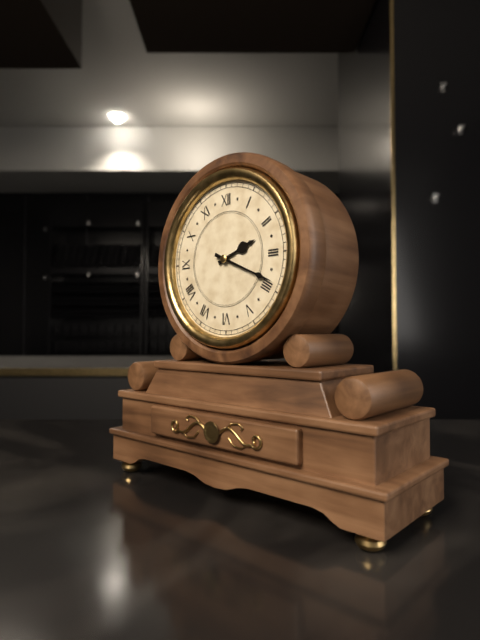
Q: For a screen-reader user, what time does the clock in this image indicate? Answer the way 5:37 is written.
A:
2:19
